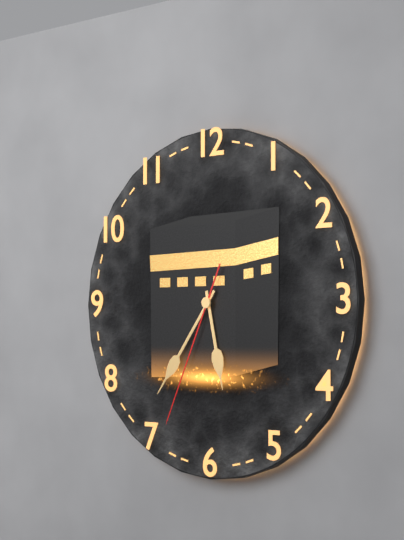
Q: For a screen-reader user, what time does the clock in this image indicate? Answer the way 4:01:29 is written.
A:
5:36:34
